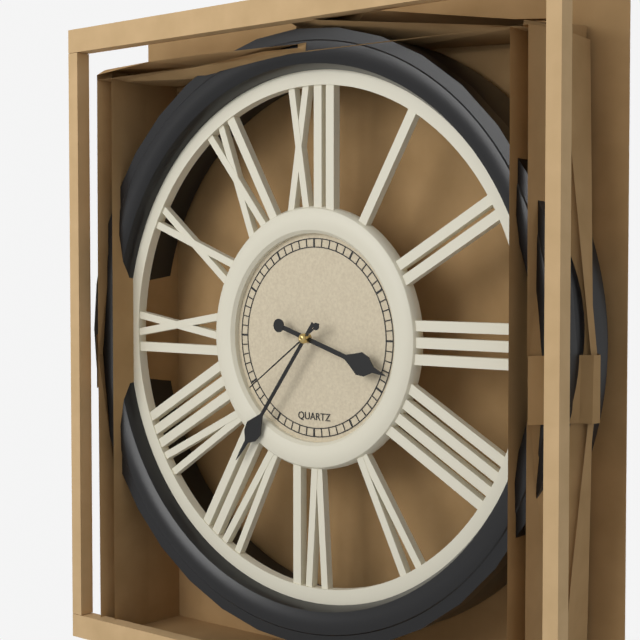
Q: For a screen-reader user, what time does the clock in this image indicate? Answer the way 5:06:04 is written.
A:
3:36:39
